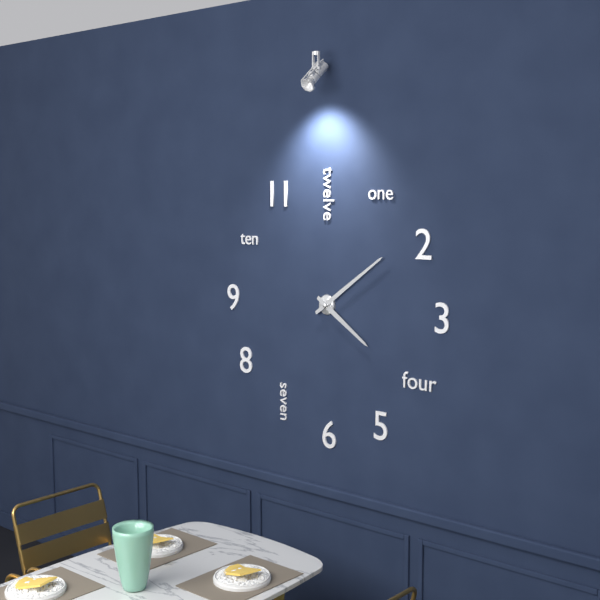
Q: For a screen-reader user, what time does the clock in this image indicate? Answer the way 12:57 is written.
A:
4:09
